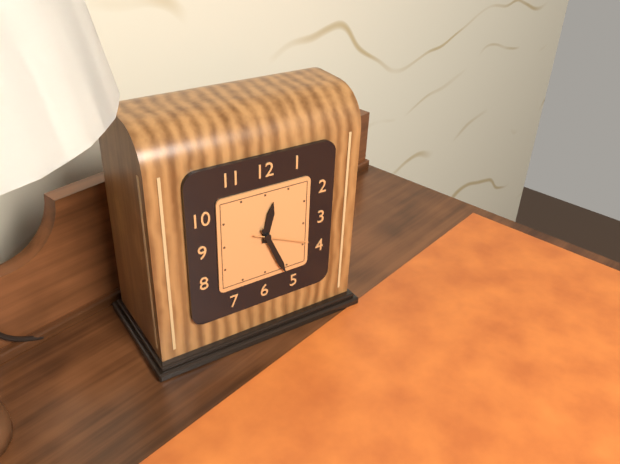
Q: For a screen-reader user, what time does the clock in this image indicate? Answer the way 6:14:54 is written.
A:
12:26:19
